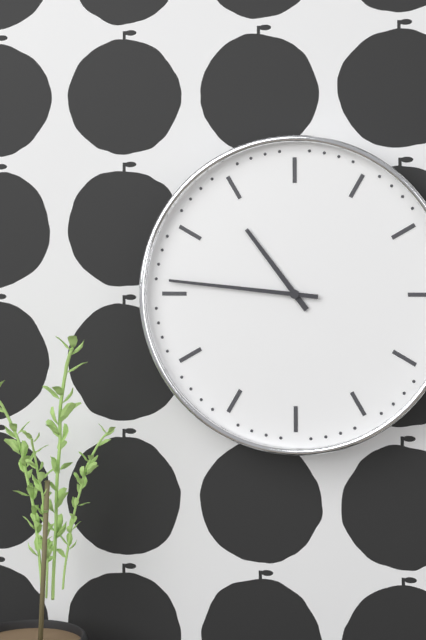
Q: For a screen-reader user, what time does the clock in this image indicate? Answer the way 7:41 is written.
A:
10:46
